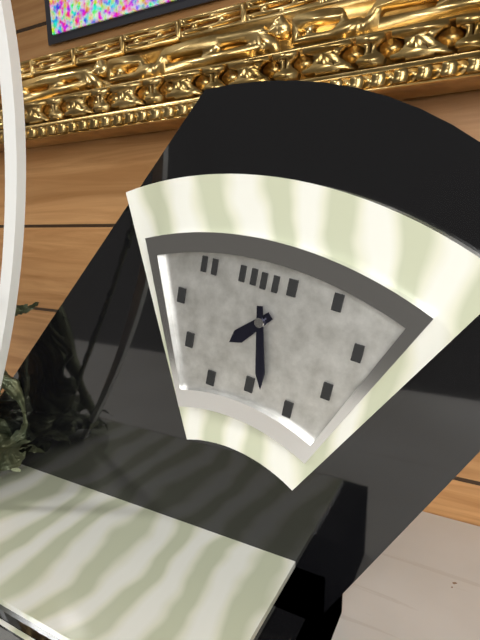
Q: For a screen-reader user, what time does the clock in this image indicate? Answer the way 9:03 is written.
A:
7:28
